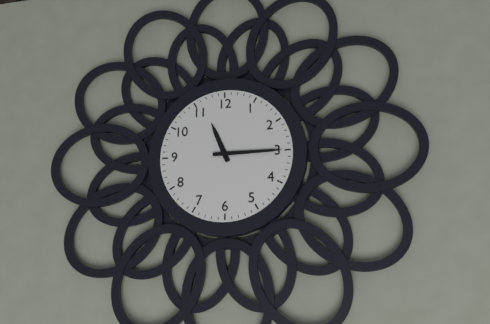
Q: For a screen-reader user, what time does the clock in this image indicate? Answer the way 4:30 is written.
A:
11:15
